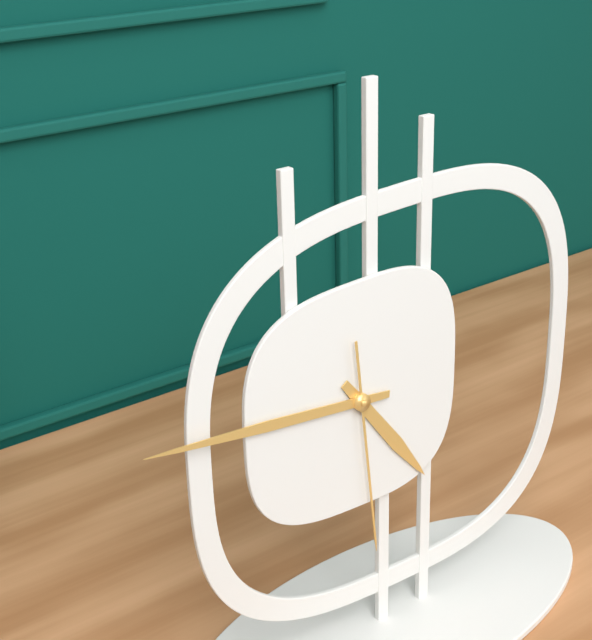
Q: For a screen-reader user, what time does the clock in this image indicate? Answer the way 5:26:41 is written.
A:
4:46:29
